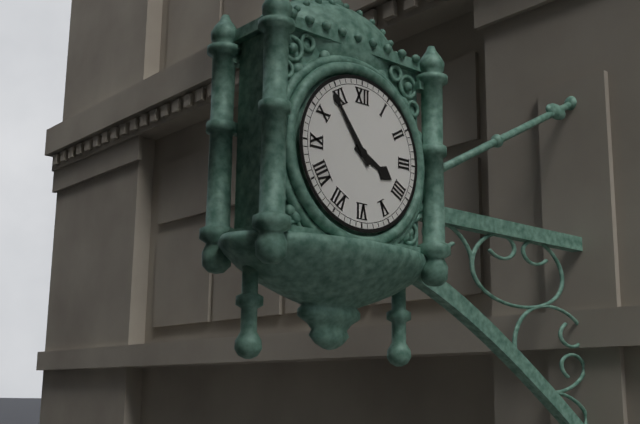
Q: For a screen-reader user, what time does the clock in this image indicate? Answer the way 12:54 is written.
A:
3:54
